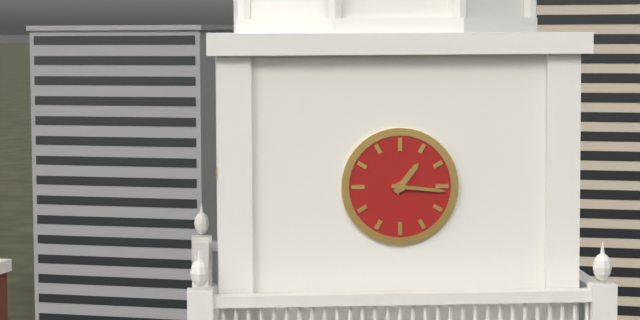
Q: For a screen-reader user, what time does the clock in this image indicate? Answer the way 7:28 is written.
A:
1:16
